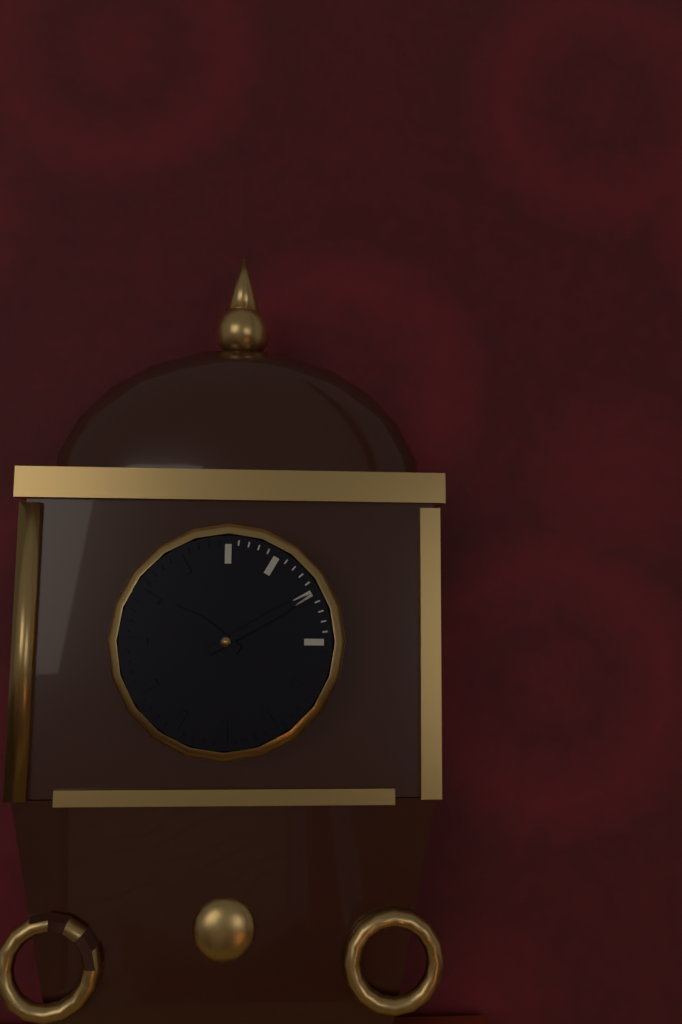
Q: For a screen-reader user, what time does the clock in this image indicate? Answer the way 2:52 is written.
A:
10:10
